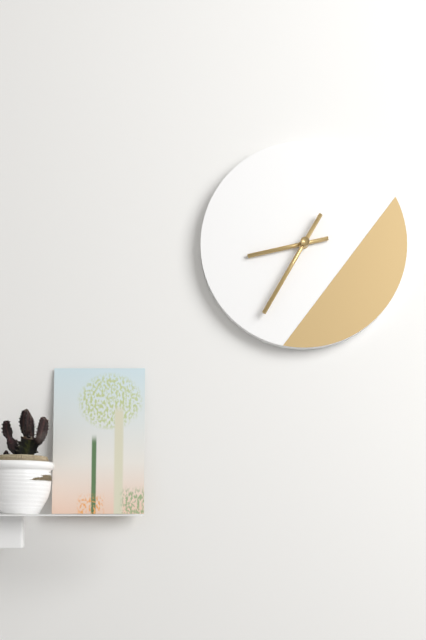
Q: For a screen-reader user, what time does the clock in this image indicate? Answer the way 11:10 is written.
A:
8:35
